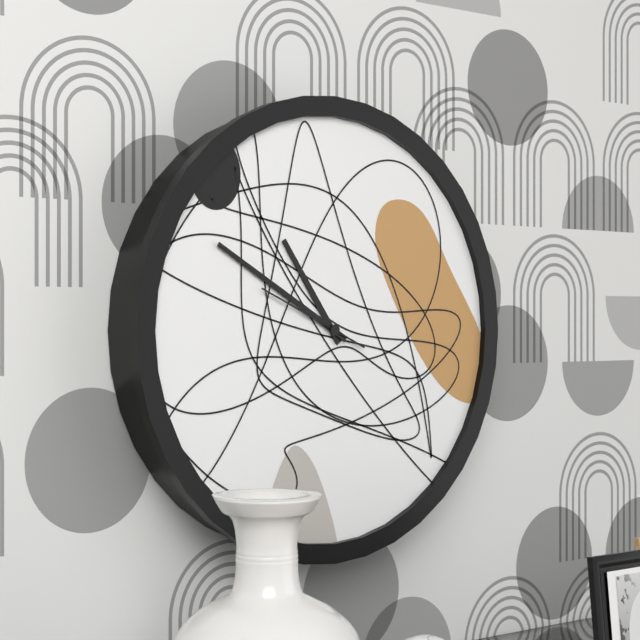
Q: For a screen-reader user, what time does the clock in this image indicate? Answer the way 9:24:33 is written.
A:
10:50:49
